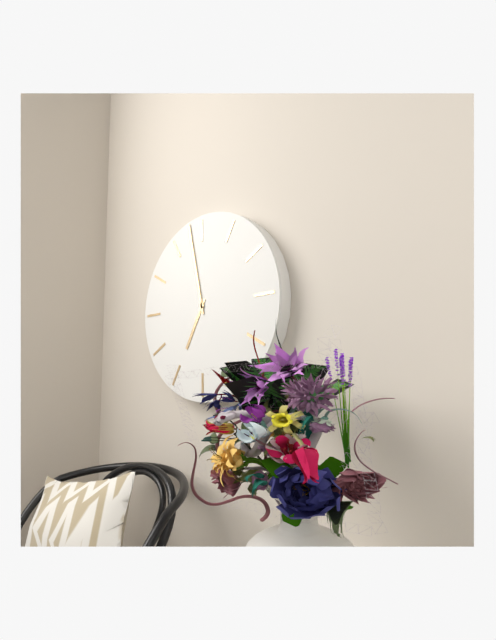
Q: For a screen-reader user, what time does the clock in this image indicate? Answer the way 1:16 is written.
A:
6:58
